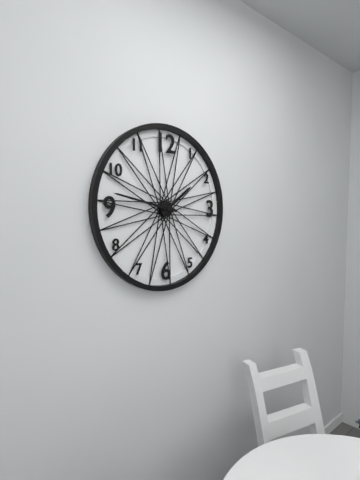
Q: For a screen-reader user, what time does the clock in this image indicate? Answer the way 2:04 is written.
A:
1:47
